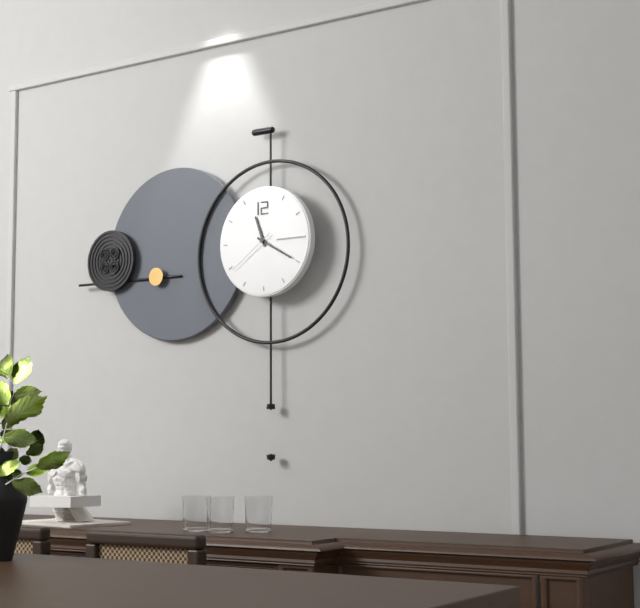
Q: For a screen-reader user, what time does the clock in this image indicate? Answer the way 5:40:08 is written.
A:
11:20:39
